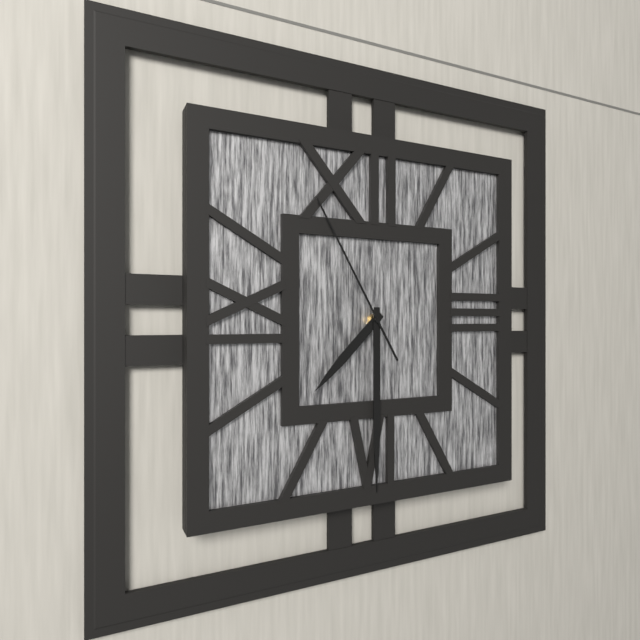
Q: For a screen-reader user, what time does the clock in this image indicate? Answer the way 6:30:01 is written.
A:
7:30:55
